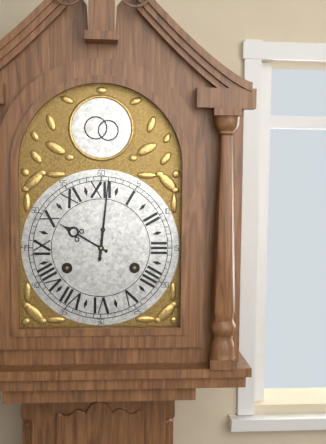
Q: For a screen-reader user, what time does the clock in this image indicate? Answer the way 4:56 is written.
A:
10:01
